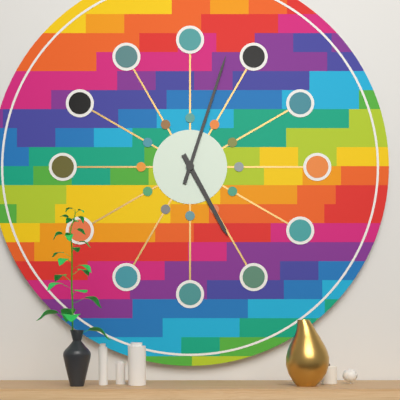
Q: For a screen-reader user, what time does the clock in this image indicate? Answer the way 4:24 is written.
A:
5:03
